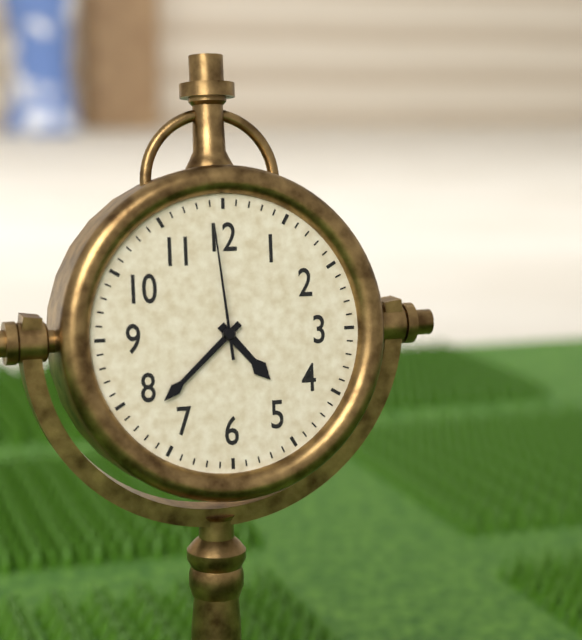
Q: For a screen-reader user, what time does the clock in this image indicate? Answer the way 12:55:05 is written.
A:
4:38:59
